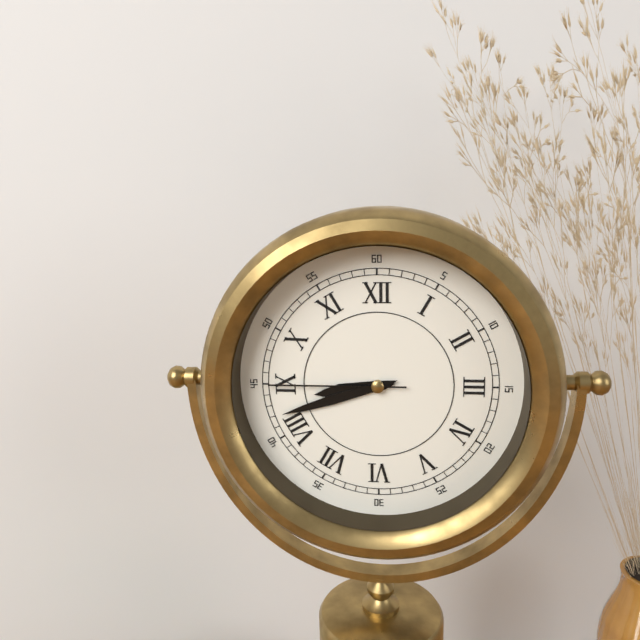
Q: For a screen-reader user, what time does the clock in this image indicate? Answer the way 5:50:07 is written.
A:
8:42:45
